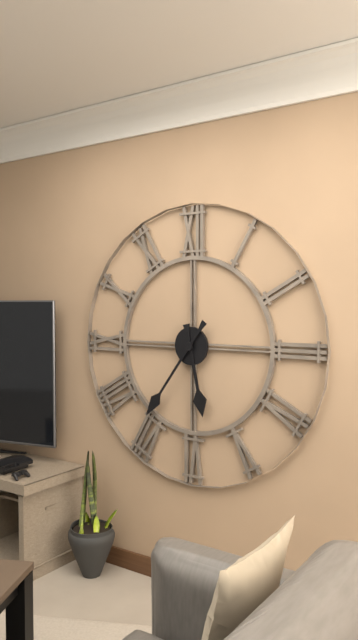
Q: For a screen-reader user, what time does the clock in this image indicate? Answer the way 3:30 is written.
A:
5:36
